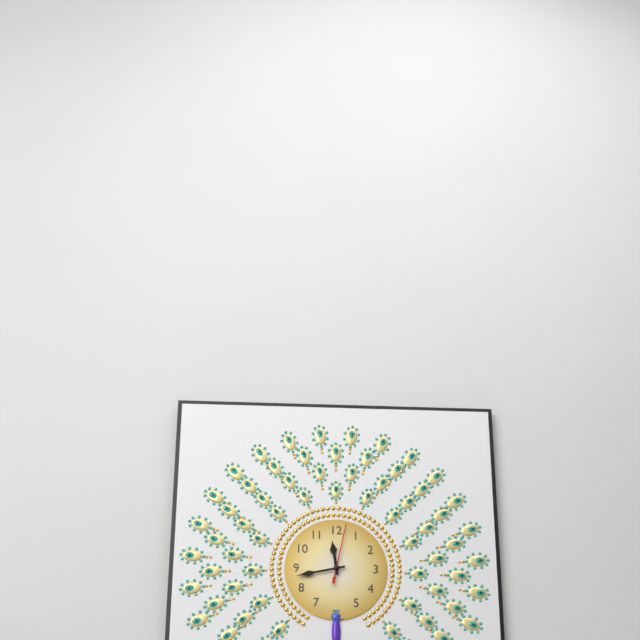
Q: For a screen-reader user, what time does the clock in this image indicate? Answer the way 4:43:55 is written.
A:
11:43:02
